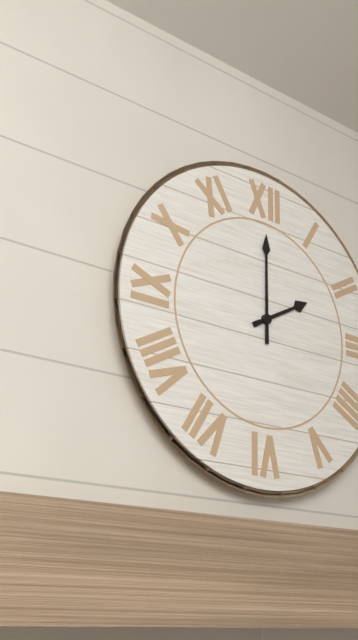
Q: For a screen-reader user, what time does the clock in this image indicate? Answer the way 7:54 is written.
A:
2:00
